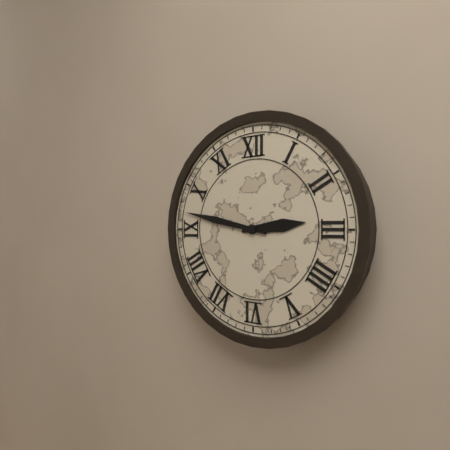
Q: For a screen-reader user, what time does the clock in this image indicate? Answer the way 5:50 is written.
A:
2:47
